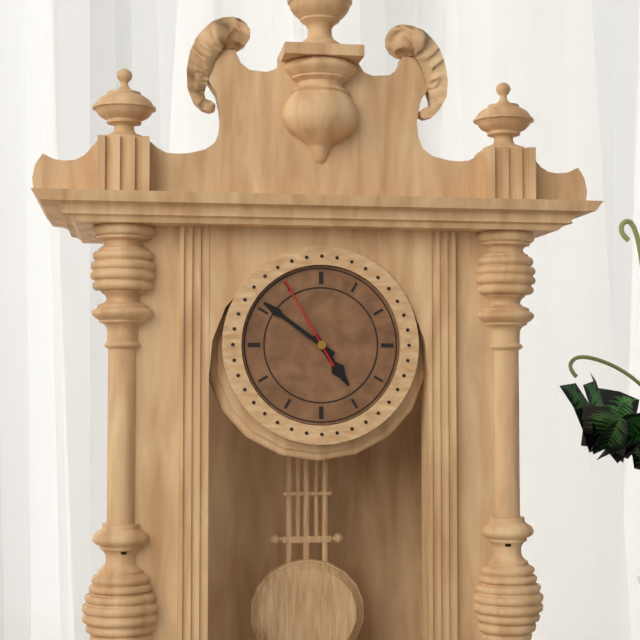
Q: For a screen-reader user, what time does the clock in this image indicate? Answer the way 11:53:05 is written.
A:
4:51:55
